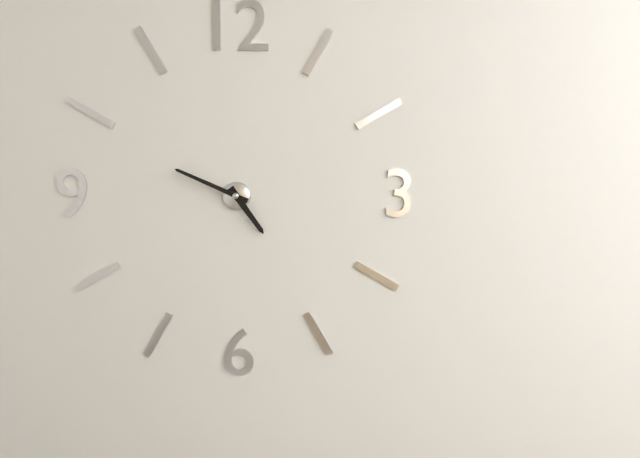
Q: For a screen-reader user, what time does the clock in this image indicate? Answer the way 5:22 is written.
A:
4:49
